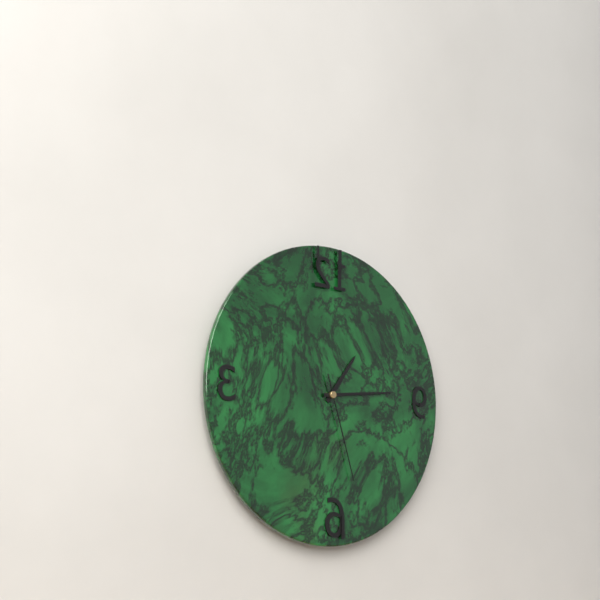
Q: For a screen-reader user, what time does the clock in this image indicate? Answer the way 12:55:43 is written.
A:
1:14:27
